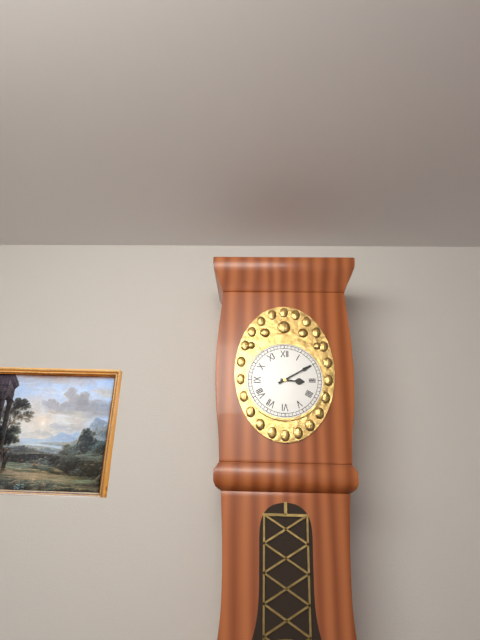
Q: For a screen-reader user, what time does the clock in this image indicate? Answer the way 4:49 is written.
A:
3:10
